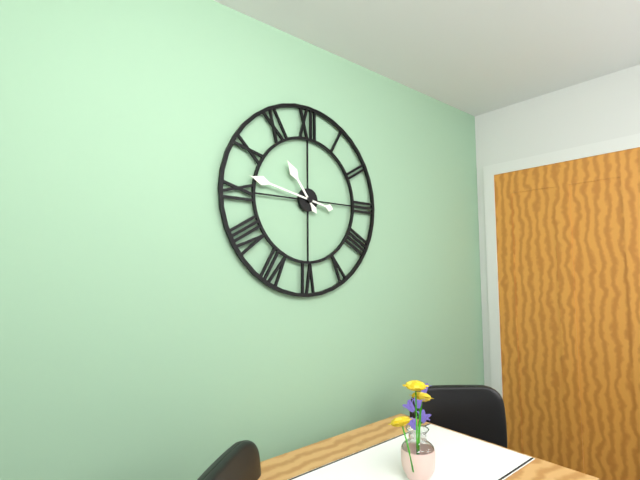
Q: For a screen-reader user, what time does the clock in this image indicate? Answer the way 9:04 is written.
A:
10:47
